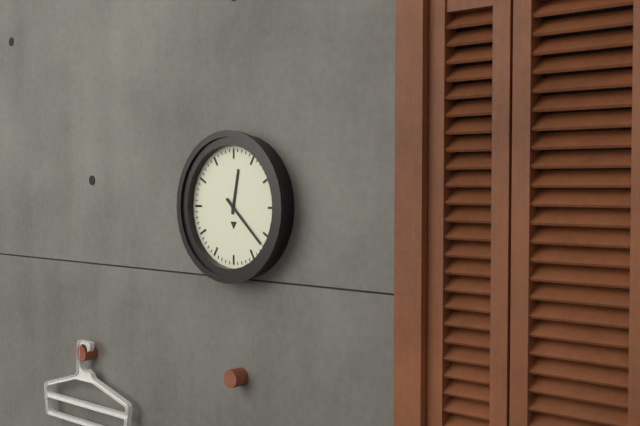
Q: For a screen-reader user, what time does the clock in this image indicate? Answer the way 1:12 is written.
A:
12:22
